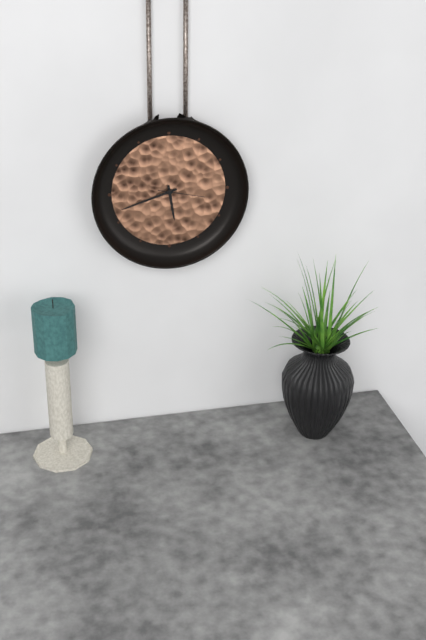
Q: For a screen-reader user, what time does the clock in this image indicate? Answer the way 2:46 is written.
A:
5:42
